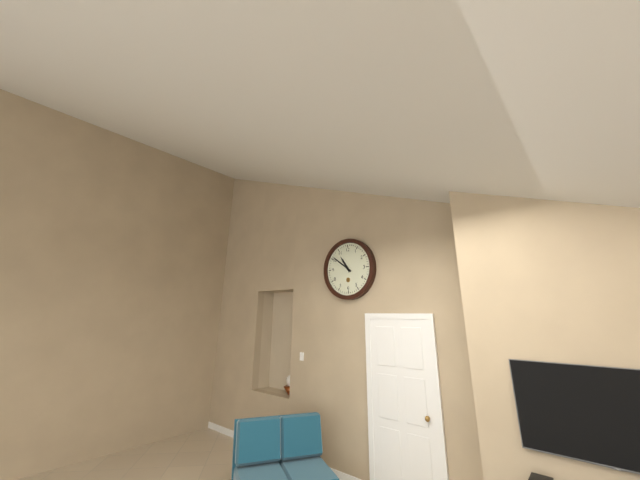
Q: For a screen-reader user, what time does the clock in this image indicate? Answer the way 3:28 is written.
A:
10:51
